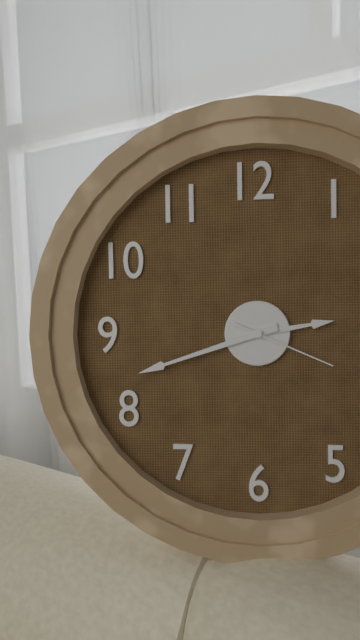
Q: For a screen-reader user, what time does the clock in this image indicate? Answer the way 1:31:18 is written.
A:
2:42:19
